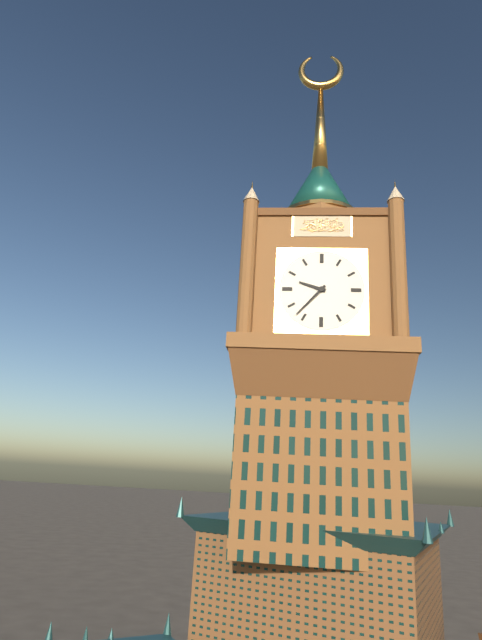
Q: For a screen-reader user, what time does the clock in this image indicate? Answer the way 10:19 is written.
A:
9:37
